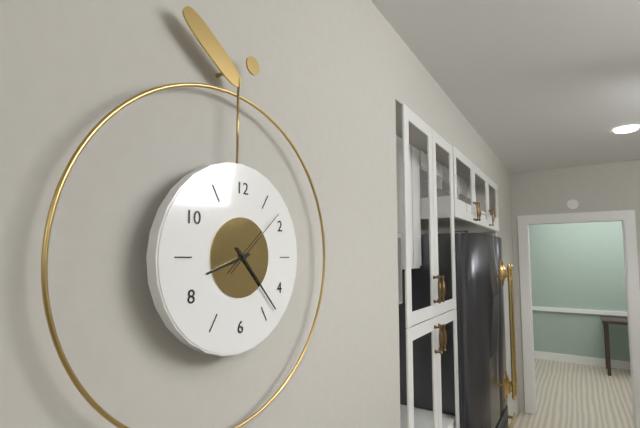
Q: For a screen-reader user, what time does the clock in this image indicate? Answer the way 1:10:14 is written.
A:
8:23:08
